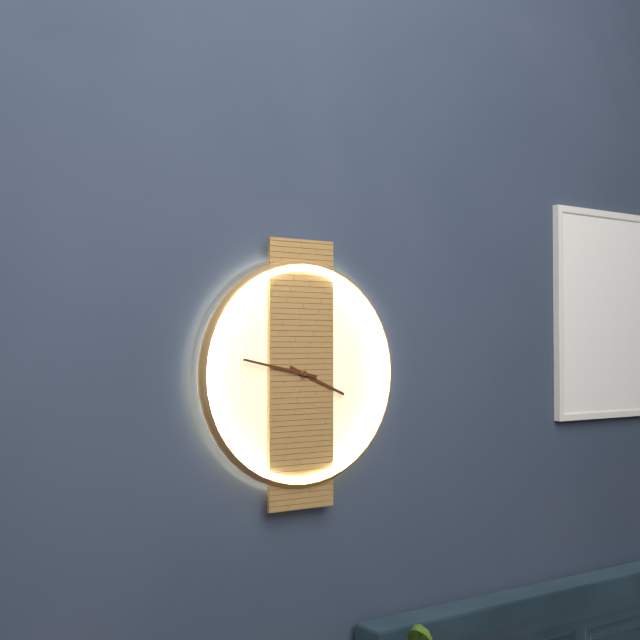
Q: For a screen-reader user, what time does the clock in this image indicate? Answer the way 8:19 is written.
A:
3:47
